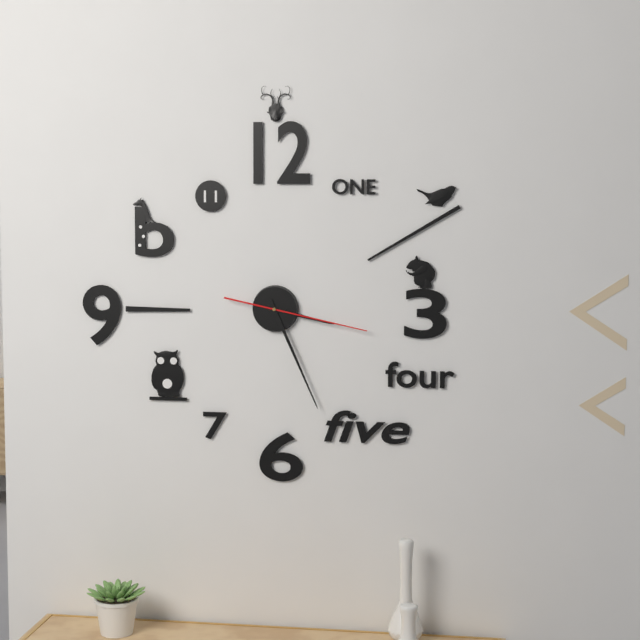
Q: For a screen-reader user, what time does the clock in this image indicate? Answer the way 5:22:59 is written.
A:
3:26:17
